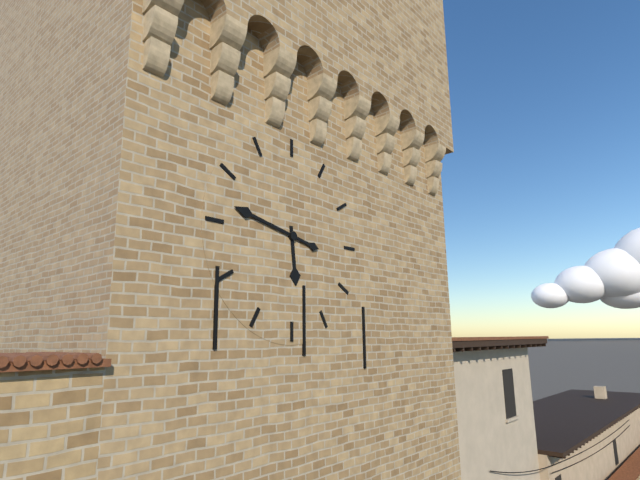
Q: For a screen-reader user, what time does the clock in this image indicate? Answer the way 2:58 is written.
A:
5:47
